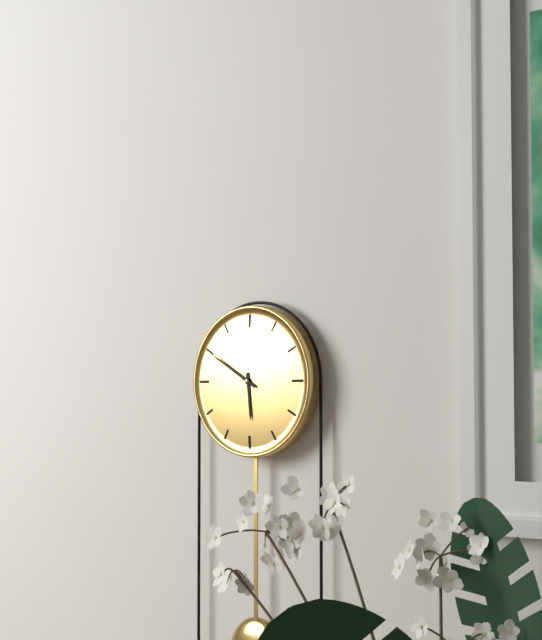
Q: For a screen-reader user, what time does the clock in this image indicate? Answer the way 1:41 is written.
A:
5:50
